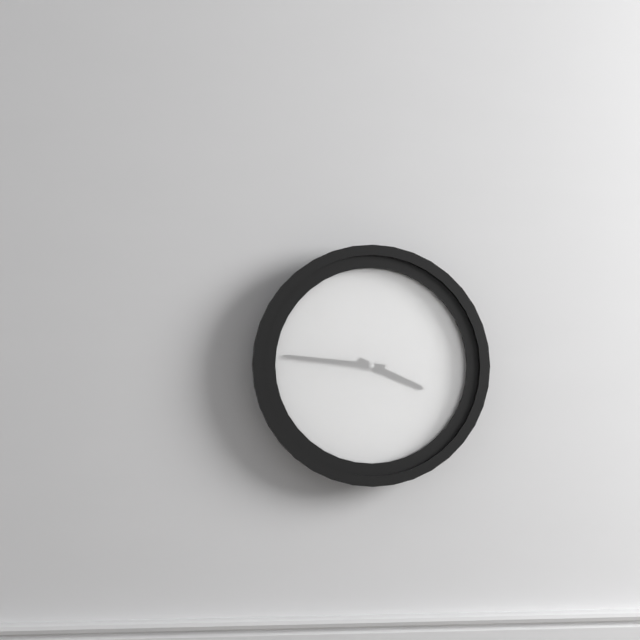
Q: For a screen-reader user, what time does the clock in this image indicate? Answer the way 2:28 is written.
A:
3:46
